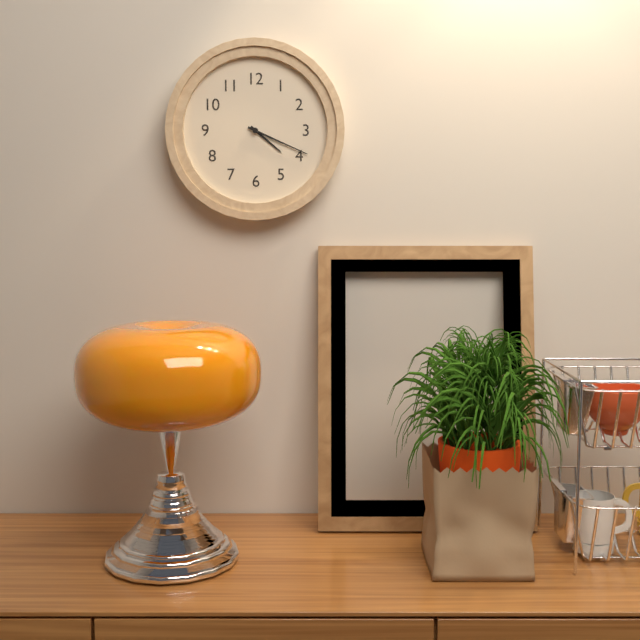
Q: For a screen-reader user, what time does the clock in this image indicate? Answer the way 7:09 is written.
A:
4:19
